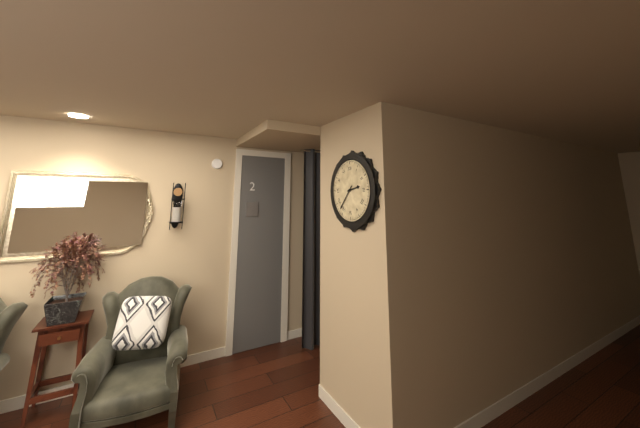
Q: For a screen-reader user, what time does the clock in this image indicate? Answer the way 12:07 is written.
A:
2:37
